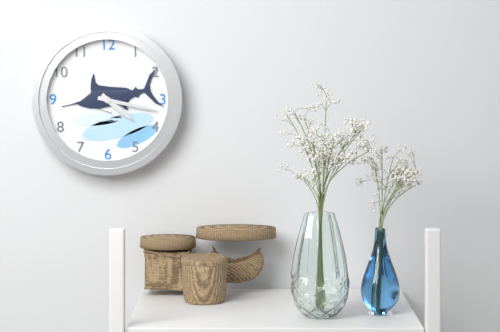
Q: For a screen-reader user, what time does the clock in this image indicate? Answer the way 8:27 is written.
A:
4:17
